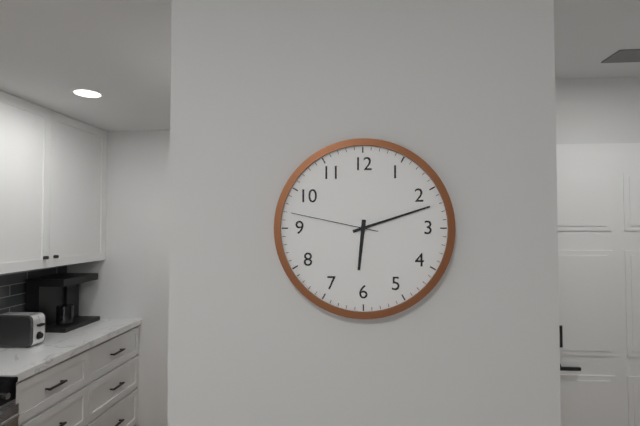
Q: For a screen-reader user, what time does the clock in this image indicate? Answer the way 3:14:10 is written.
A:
6:12:47
